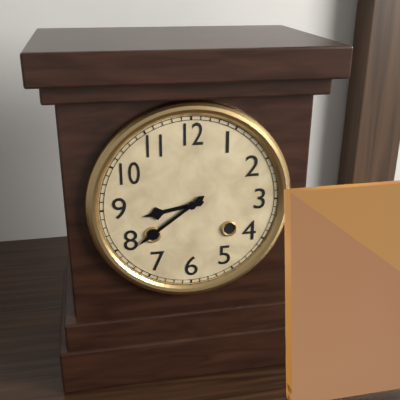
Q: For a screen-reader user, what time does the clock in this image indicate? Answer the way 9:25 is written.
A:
8:39
